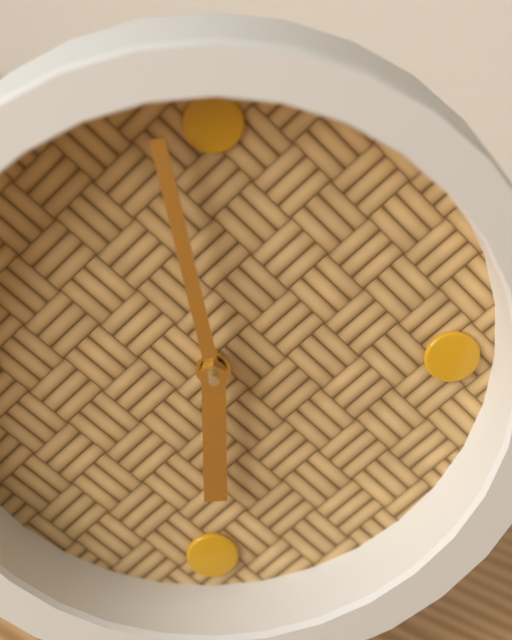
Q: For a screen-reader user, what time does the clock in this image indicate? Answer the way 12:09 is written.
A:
5:58
